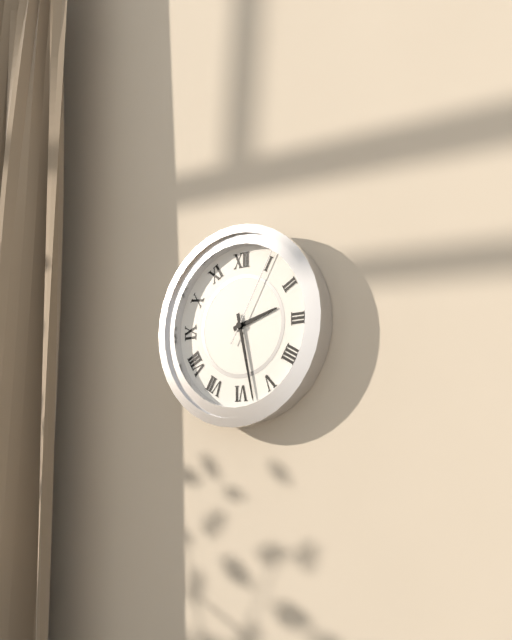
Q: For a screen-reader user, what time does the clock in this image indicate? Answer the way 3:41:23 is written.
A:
2:28:05
